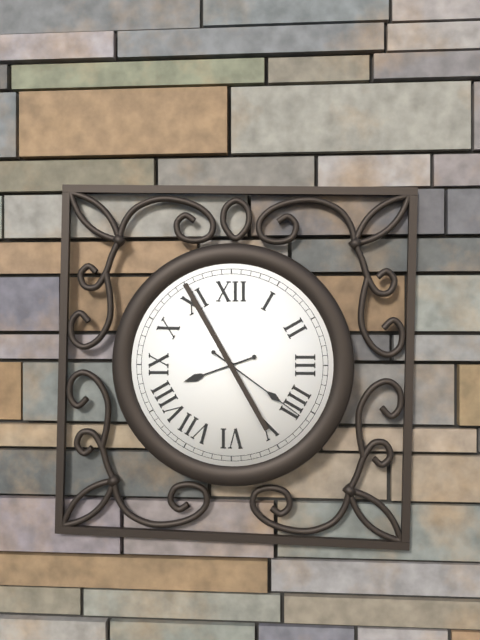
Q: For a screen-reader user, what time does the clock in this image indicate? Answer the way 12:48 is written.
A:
8:21
